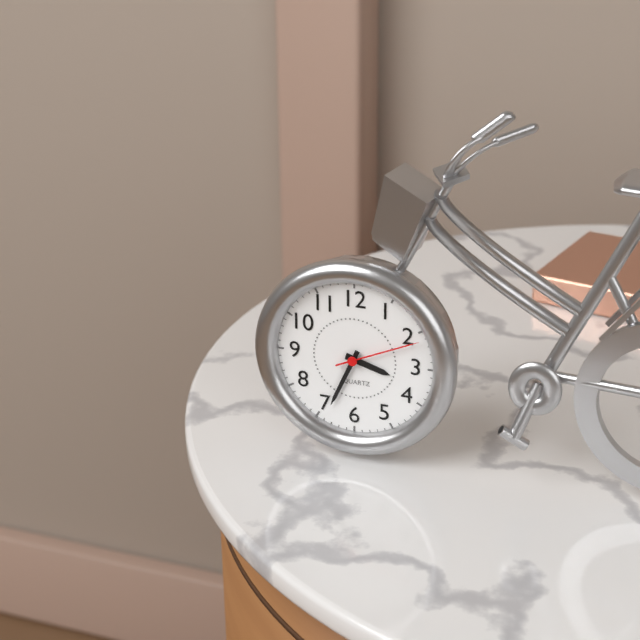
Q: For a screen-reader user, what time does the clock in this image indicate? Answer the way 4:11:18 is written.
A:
3:34:11
